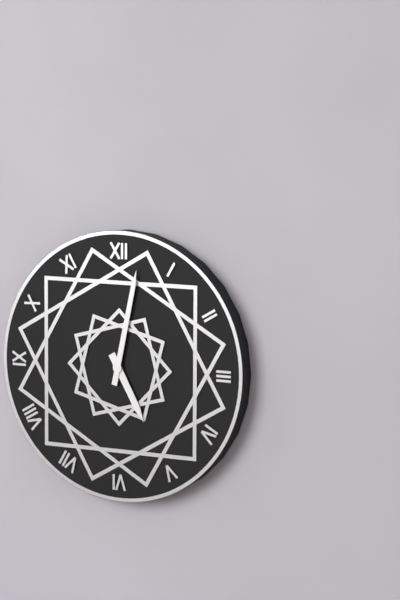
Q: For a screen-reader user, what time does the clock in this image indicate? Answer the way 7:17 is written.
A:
5:02
